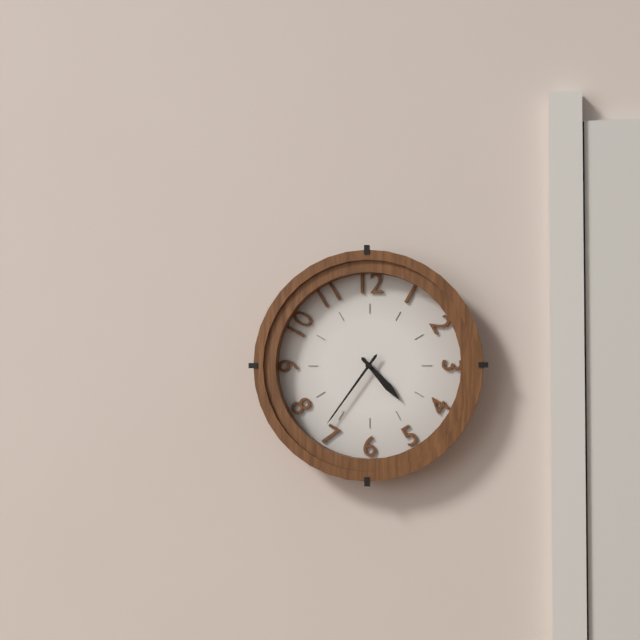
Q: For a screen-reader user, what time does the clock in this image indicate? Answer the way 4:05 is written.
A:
4:36
